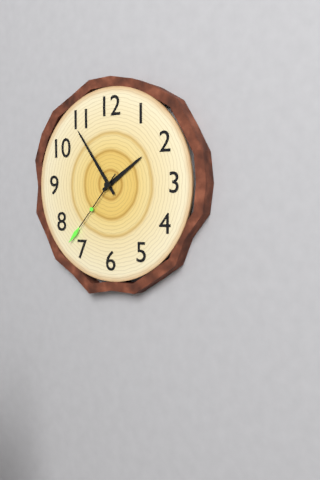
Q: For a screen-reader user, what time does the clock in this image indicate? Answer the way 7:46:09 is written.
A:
1:54:37
